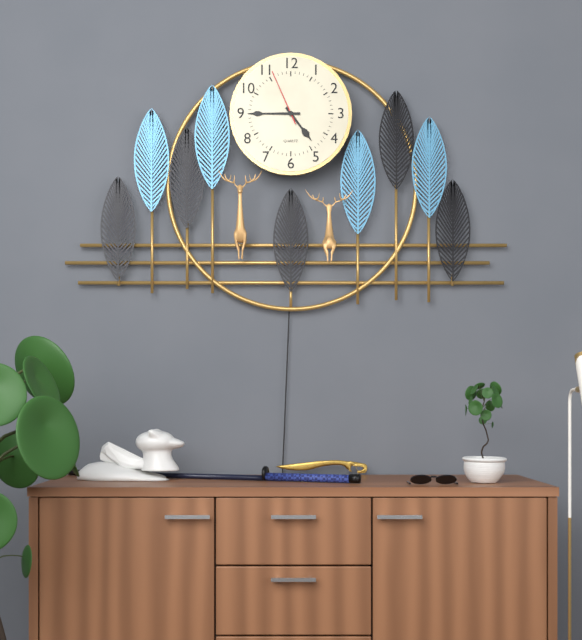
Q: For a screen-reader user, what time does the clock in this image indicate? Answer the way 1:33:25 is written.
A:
4:45:56
